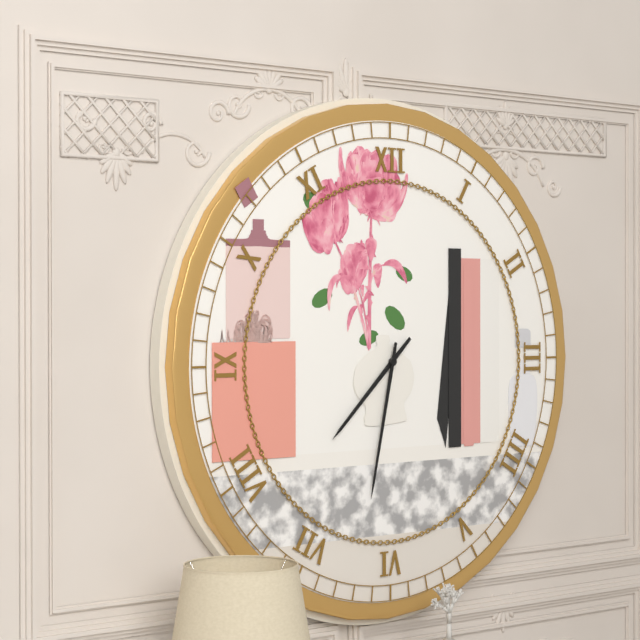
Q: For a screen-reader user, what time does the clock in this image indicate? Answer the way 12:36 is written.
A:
7:32
